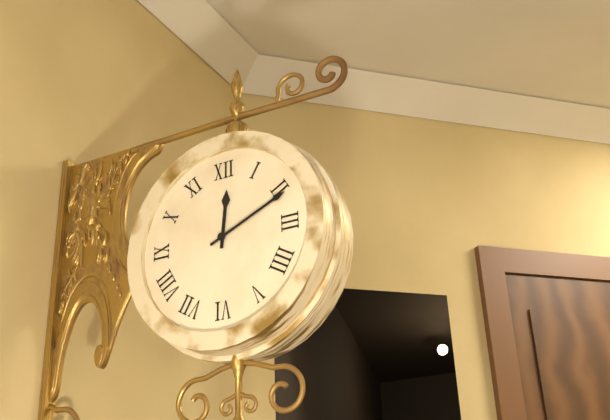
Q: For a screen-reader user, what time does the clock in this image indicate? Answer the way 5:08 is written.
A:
12:11
